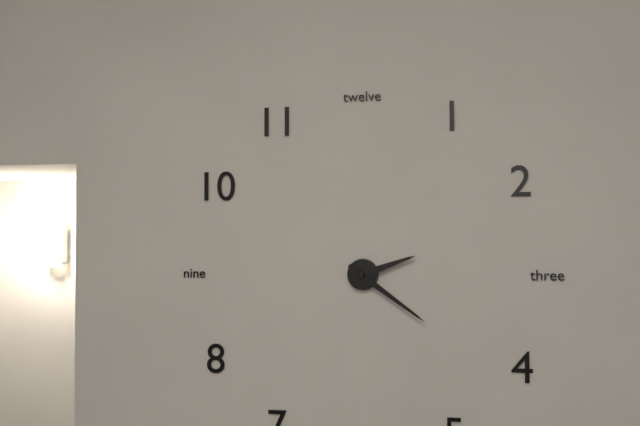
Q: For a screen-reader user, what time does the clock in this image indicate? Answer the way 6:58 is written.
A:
2:21
